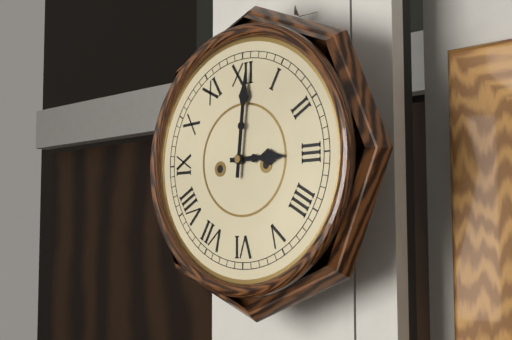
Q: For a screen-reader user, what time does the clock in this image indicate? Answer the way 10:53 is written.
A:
3:01
